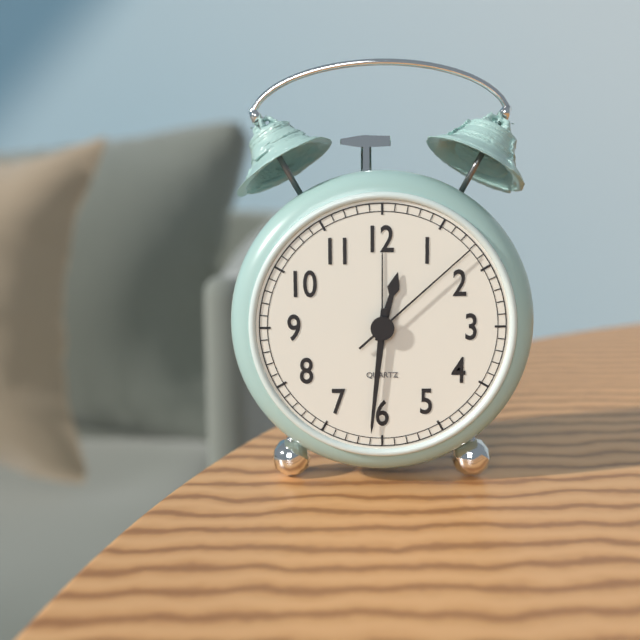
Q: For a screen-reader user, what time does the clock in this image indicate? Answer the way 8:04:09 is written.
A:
12:31:08
